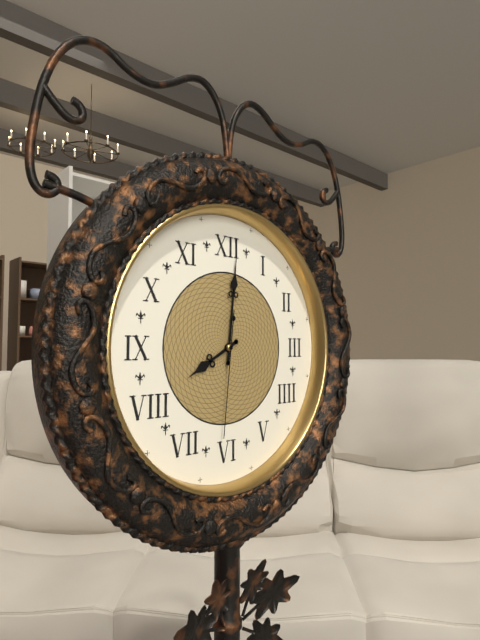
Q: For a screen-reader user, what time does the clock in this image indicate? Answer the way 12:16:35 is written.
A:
8:01:31
